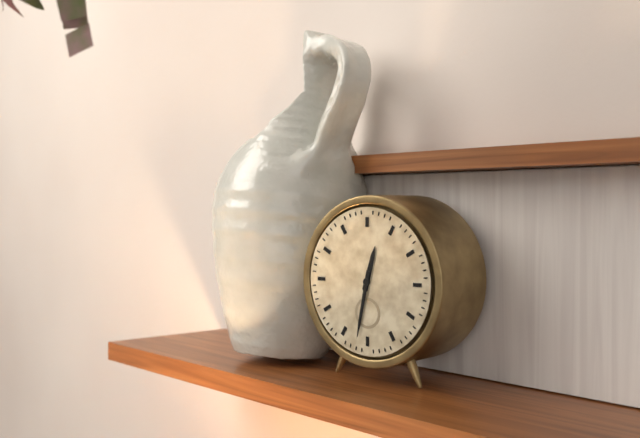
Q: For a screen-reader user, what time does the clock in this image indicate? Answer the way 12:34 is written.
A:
12:32
